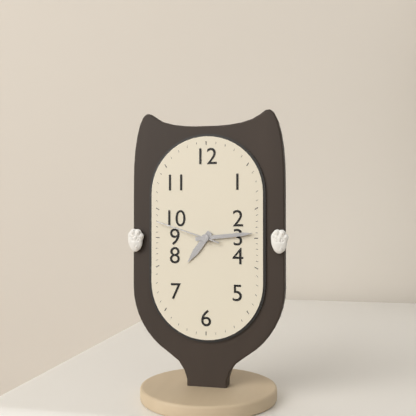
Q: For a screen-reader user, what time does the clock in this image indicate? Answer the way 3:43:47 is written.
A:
7:14:48
